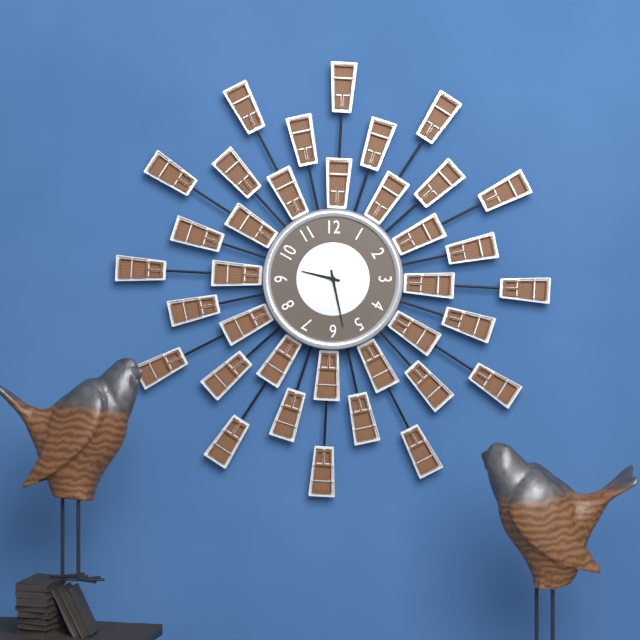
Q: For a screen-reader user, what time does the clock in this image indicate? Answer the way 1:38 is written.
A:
9:28
